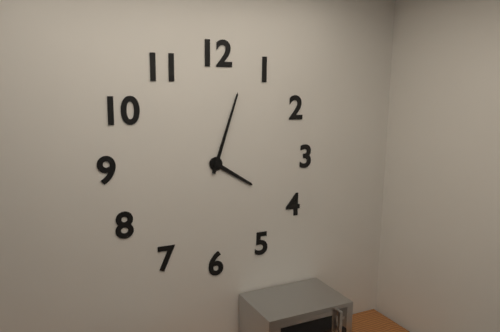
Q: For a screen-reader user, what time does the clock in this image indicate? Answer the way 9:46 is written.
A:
4:03
